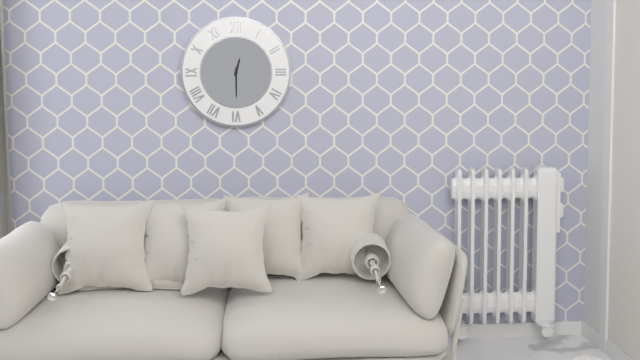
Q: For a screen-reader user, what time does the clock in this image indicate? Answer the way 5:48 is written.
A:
12:30
